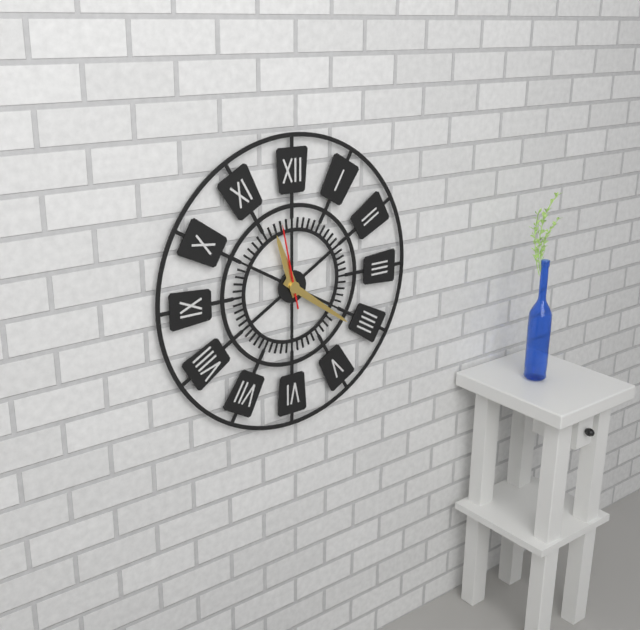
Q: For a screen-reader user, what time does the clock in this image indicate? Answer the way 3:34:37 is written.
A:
11:21:58
